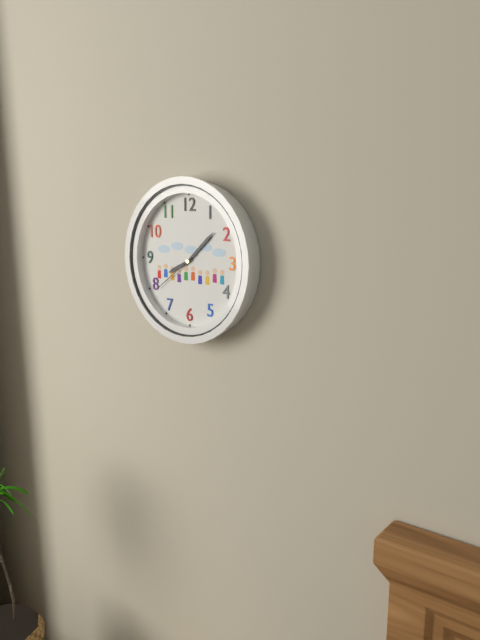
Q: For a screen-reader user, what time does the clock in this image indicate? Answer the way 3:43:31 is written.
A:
8:08:39
